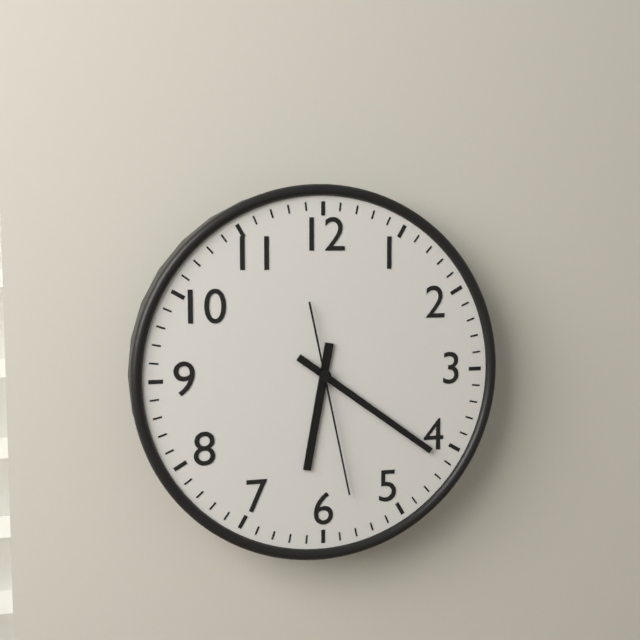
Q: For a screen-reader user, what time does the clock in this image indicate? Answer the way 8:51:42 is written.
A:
6:21:28
